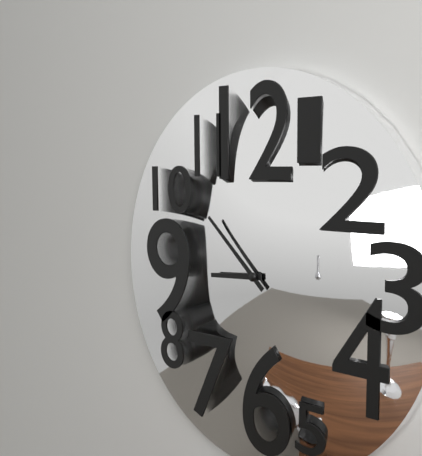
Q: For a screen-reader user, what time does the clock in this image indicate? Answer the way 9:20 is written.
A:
8:52
